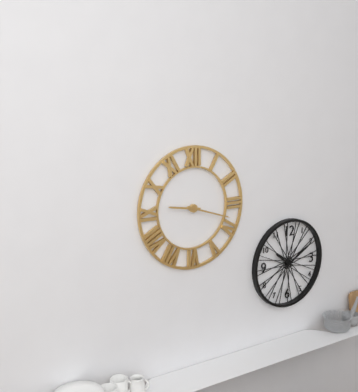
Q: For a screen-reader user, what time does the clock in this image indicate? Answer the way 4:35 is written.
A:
9:18
